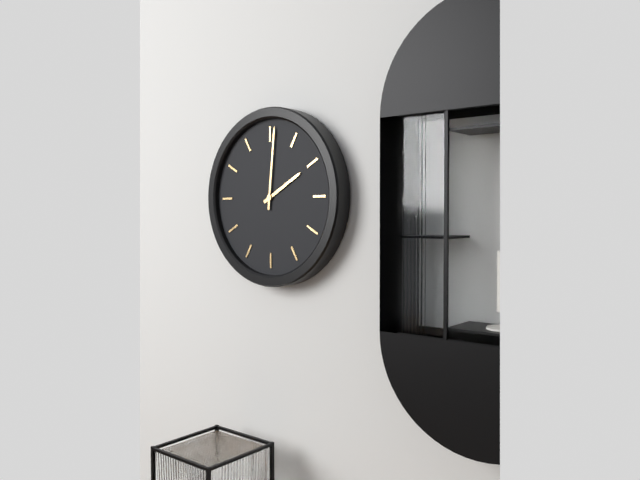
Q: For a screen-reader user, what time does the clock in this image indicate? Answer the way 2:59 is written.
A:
2:01
